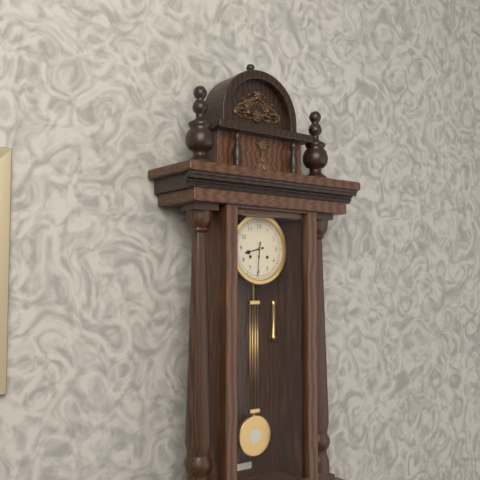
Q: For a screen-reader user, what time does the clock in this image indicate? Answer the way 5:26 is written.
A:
8:31
